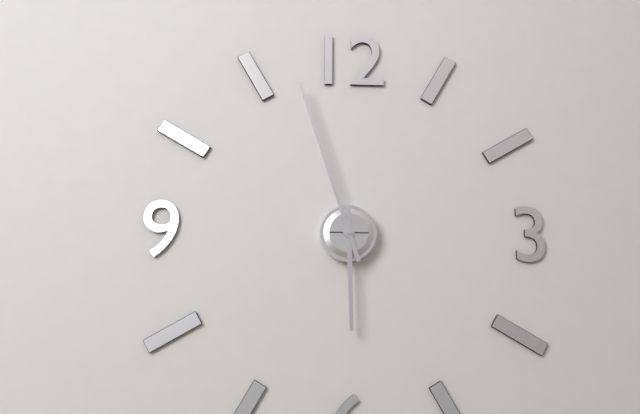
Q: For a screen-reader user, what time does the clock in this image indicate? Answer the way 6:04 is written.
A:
5:57
